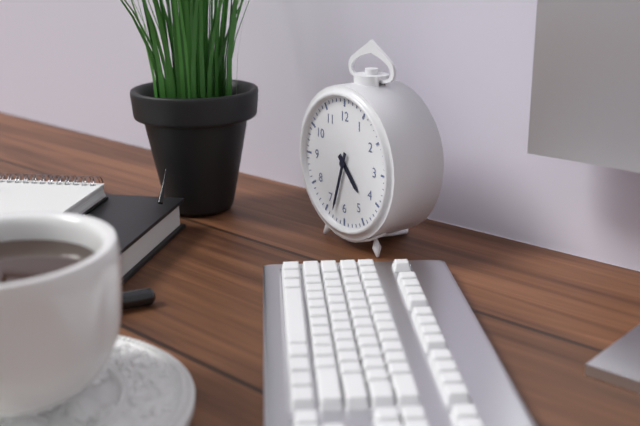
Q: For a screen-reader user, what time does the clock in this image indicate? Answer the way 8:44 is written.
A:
4:33
